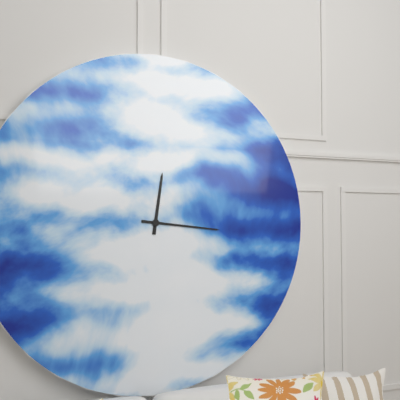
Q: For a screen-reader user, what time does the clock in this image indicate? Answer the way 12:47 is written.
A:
12:16
